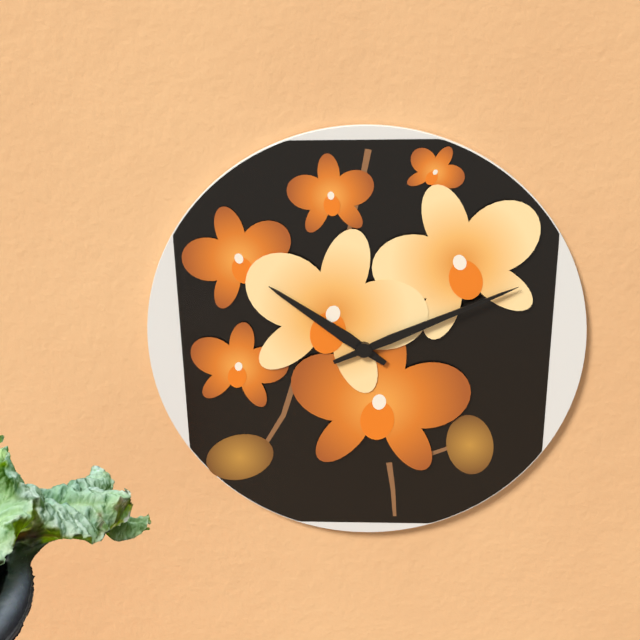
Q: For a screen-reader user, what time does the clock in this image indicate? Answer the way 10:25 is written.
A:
10:11
